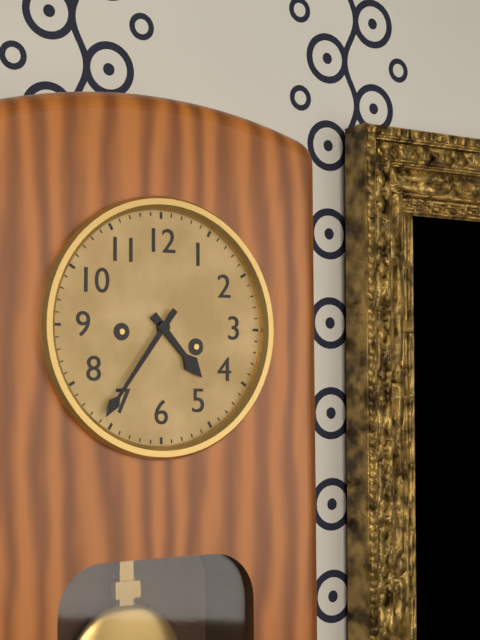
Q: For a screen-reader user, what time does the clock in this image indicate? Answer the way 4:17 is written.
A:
4:36
